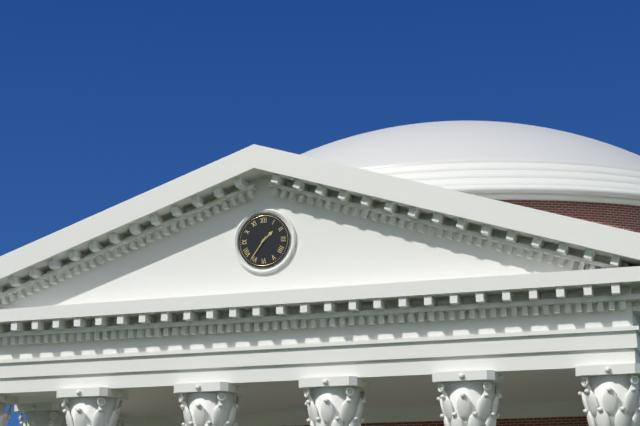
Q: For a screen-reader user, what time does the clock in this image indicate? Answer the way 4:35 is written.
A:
1:36
